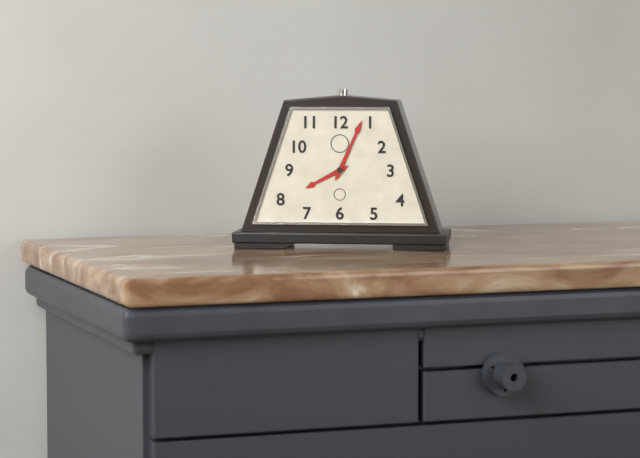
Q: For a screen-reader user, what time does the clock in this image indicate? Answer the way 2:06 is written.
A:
8:04
